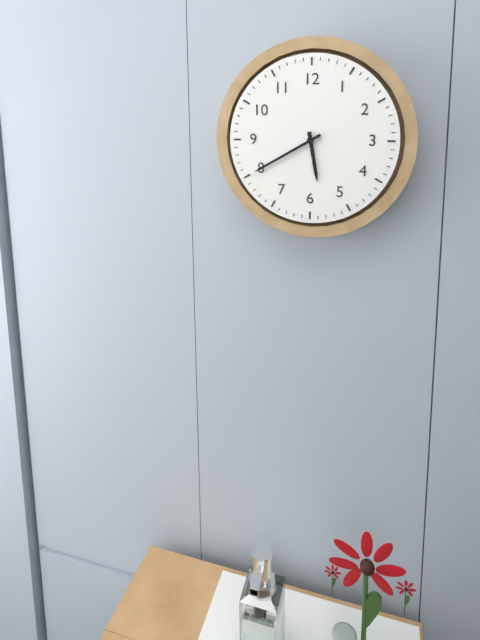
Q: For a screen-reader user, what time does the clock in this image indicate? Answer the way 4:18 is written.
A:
5:40
